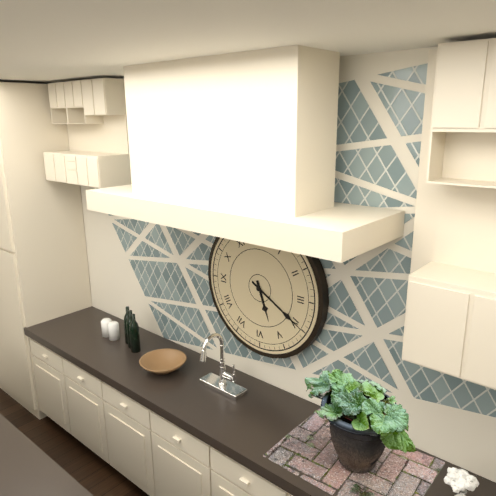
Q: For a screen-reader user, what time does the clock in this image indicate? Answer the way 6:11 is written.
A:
5:20
